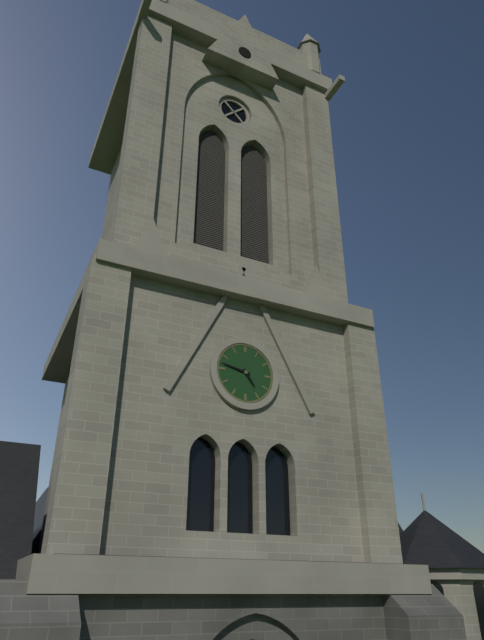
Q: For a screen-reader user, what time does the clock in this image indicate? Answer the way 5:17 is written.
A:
4:47
